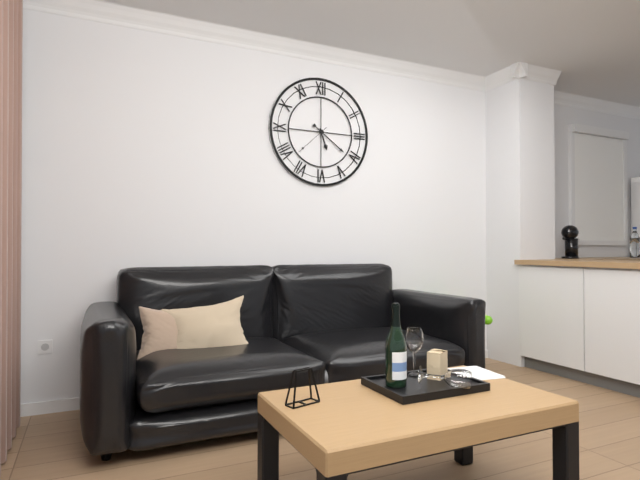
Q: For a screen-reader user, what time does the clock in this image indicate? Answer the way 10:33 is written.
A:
5:21
